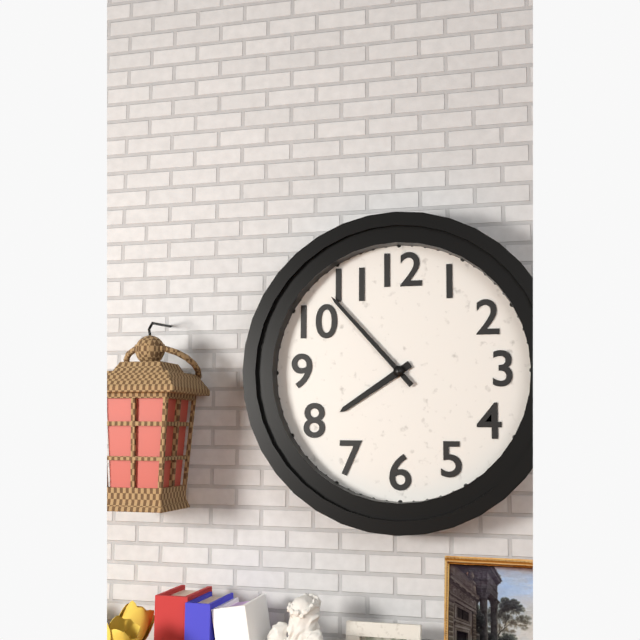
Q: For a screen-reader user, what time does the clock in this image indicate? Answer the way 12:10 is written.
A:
7:53
